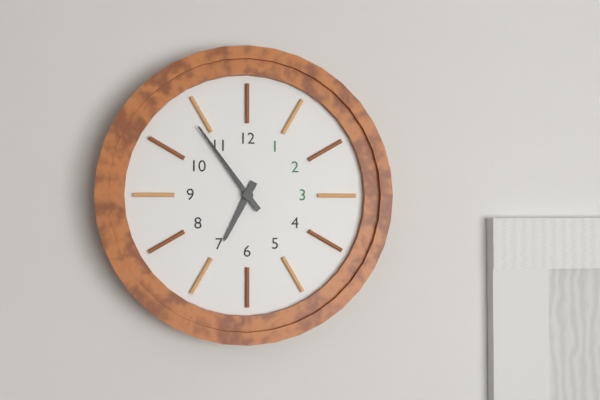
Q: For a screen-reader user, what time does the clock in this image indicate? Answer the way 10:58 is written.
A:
6:54
